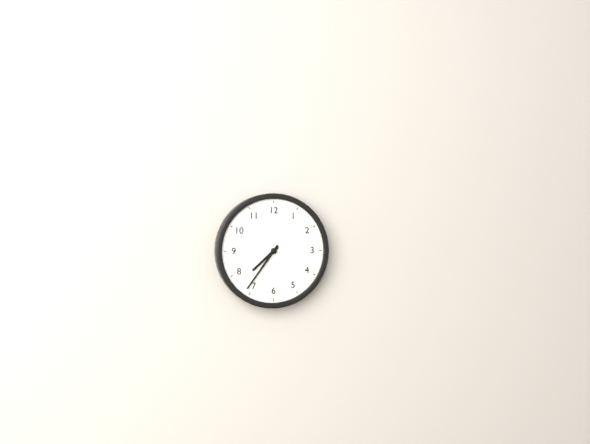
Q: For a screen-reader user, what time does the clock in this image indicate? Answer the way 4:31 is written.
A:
7:36
